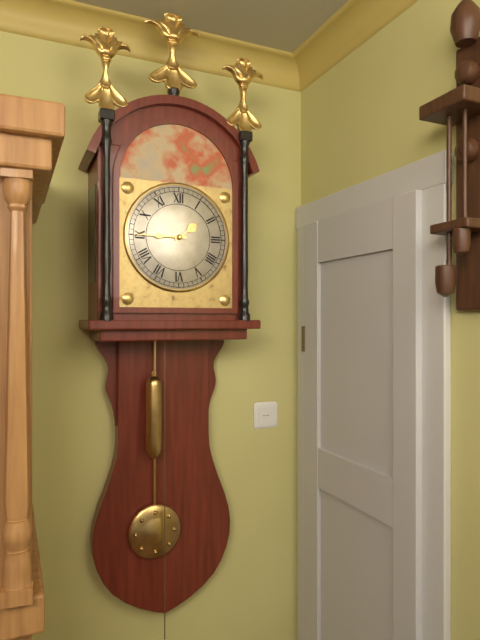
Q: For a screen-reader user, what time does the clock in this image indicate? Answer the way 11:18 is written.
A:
1:45
